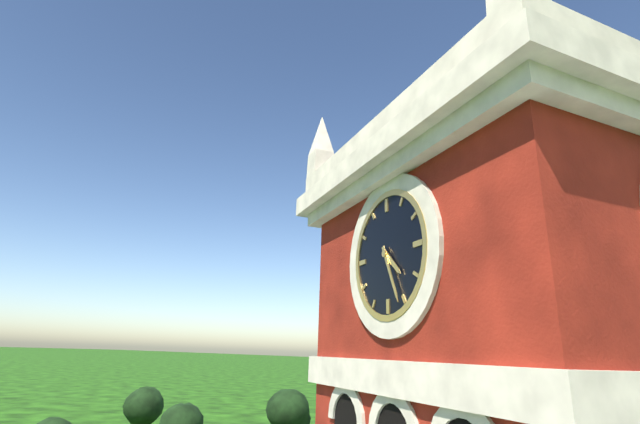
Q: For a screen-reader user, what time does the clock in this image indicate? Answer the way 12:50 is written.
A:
4:26
